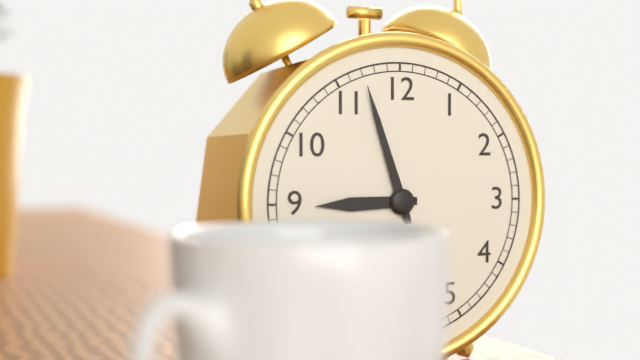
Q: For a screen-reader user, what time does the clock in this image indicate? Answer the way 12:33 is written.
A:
8:57
